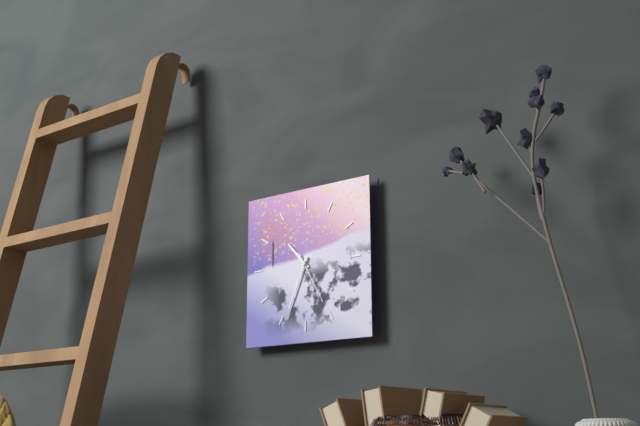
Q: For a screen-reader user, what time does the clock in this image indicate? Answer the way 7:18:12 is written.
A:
10:34:25
